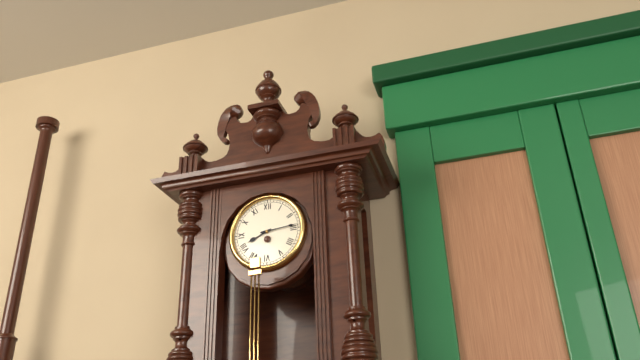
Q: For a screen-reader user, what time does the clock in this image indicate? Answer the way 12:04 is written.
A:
8:14
